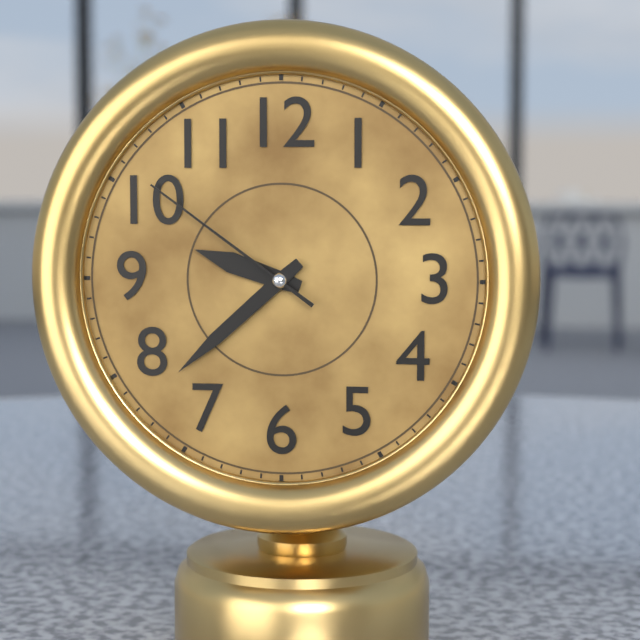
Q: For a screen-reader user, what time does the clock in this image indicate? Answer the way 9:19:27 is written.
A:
9:38:51
